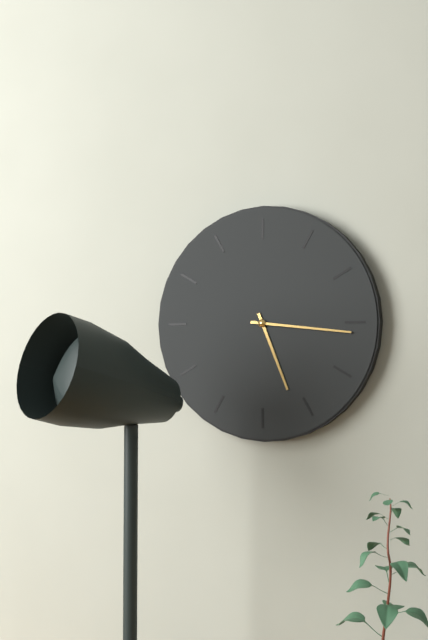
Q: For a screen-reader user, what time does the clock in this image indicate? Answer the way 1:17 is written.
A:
5:16
